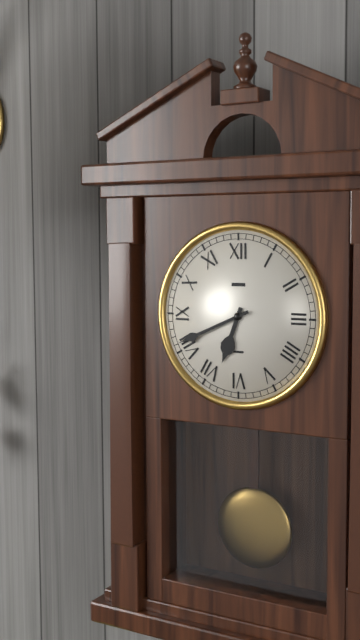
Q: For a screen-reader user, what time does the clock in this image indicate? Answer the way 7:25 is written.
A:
6:41
